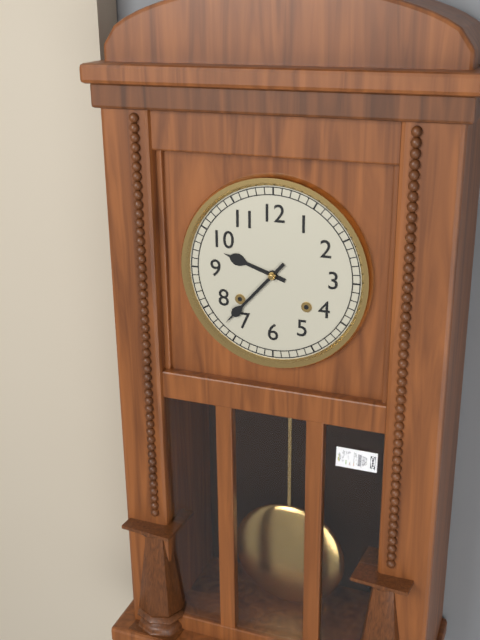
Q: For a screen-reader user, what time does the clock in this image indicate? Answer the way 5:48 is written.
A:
9:37
